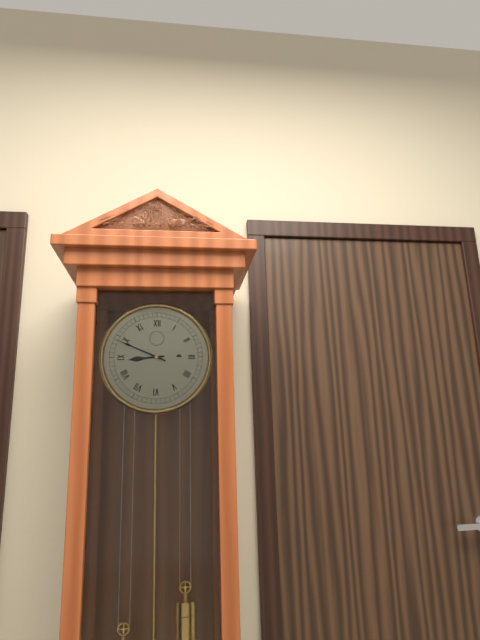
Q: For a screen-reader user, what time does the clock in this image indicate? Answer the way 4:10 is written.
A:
8:49
